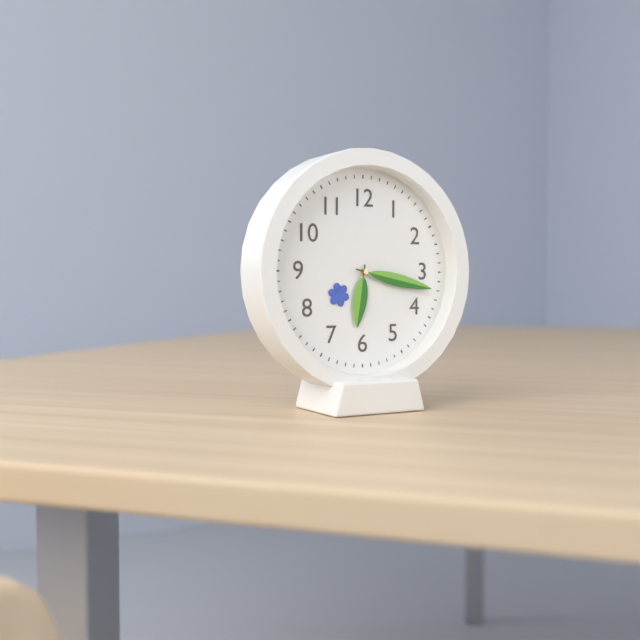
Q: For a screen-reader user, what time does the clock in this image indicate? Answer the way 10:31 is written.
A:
6:17
